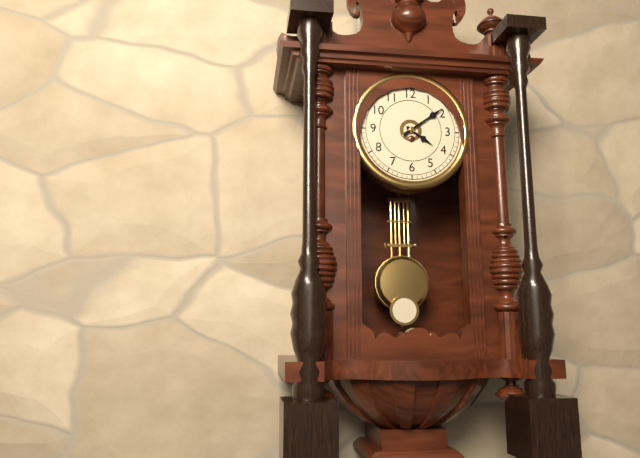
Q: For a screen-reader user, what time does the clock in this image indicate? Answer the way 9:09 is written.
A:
4:09
